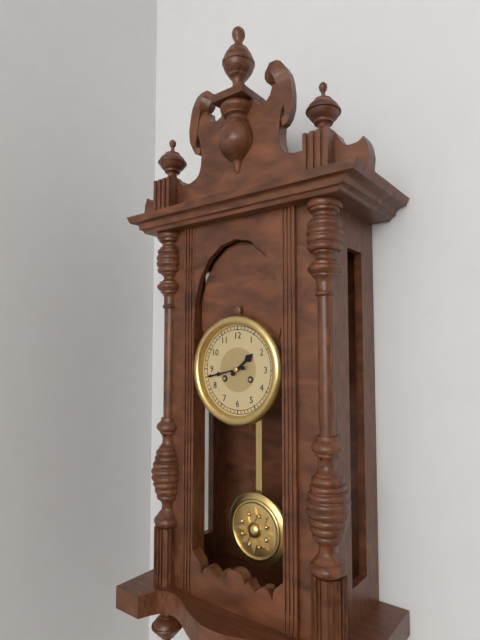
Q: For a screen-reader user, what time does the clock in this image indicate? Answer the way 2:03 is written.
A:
1:43
